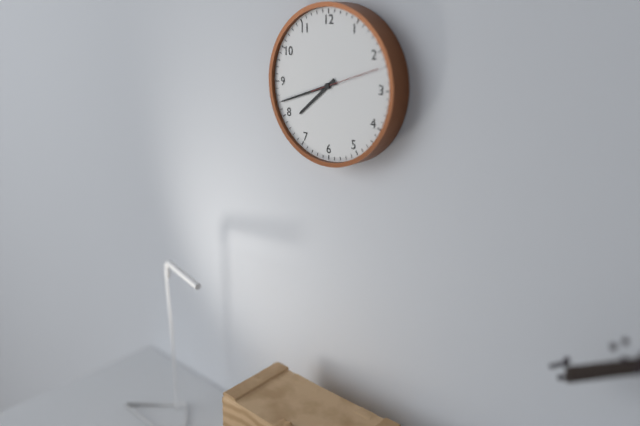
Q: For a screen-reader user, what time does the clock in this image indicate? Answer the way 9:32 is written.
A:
7:42
